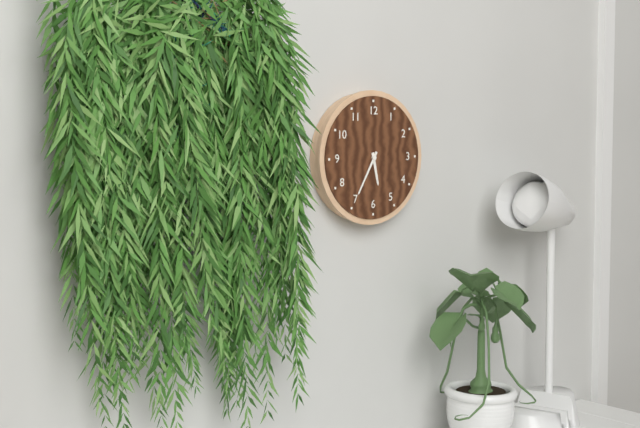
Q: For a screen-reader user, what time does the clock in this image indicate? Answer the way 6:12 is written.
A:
5:35
